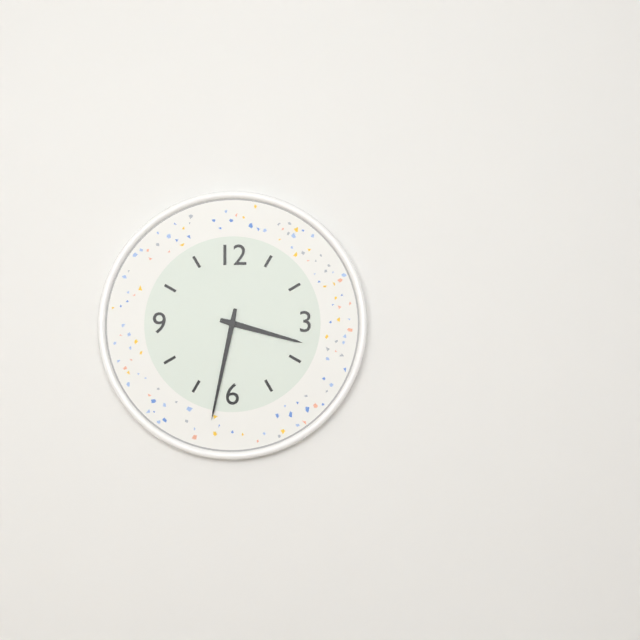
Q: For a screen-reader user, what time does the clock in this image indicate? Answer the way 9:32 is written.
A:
3:32
